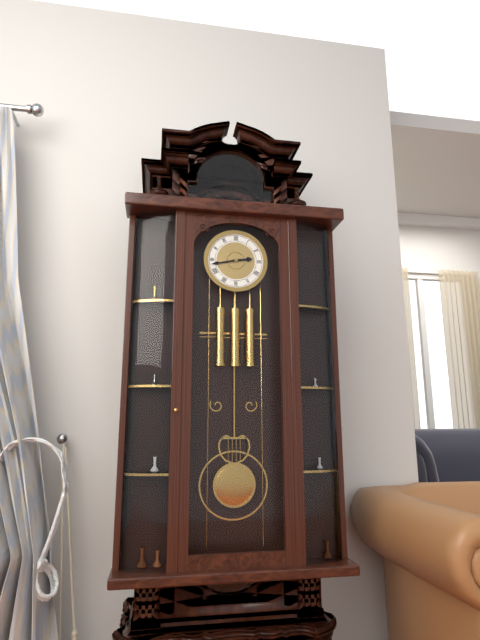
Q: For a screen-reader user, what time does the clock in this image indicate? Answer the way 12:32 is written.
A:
2:43
